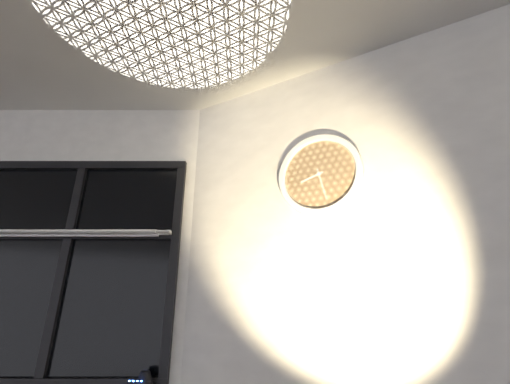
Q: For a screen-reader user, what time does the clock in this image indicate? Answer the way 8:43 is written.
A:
8:28
